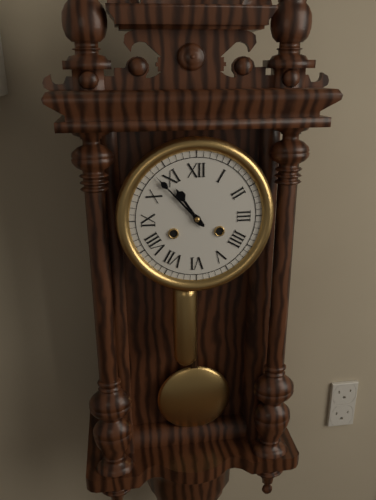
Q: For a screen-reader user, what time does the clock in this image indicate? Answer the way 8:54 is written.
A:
10:53
